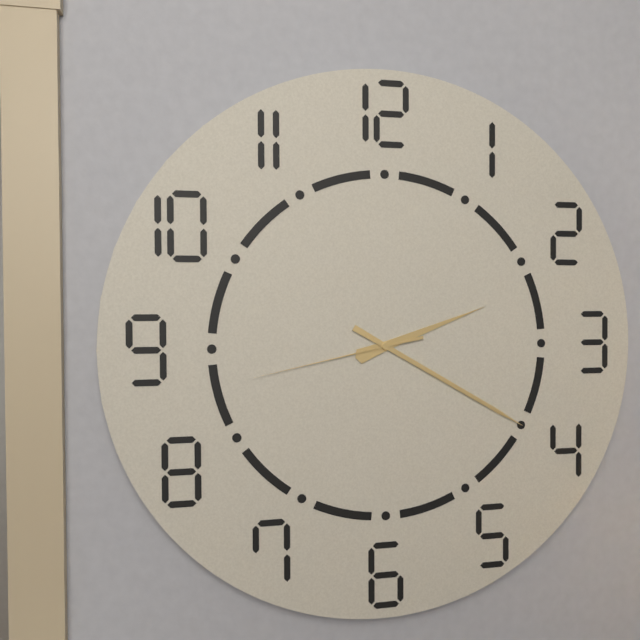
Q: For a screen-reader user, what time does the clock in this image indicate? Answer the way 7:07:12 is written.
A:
2:20:43
